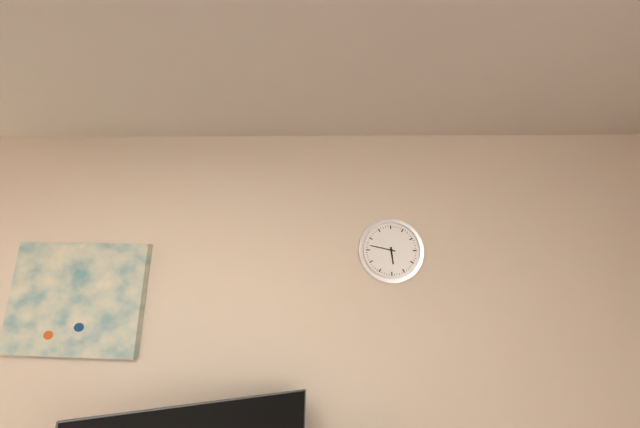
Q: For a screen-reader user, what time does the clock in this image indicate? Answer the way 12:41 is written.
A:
5:47
